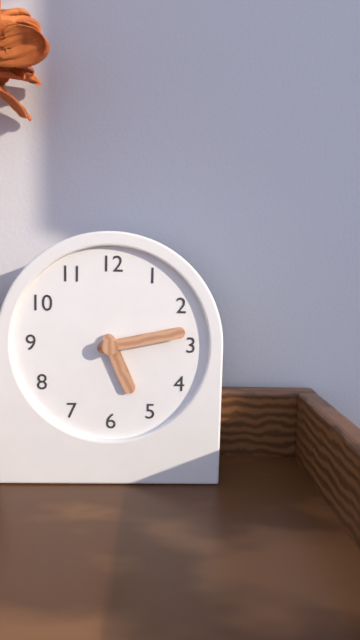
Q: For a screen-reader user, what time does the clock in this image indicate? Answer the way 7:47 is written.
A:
5:13
